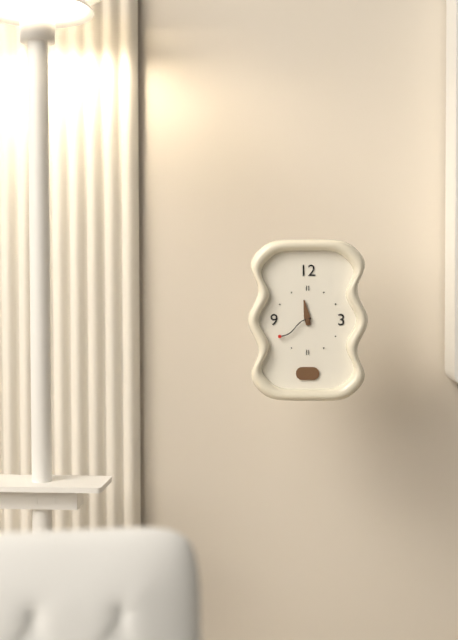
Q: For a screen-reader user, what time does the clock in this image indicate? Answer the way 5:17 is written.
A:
11:40
